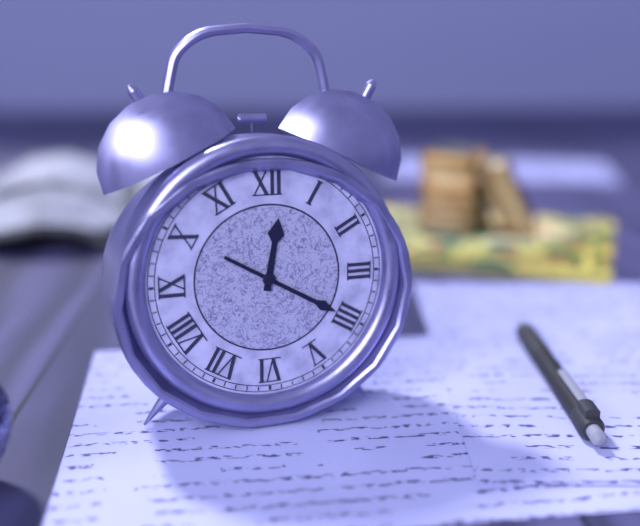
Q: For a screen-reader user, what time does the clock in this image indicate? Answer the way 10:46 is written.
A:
12:20
